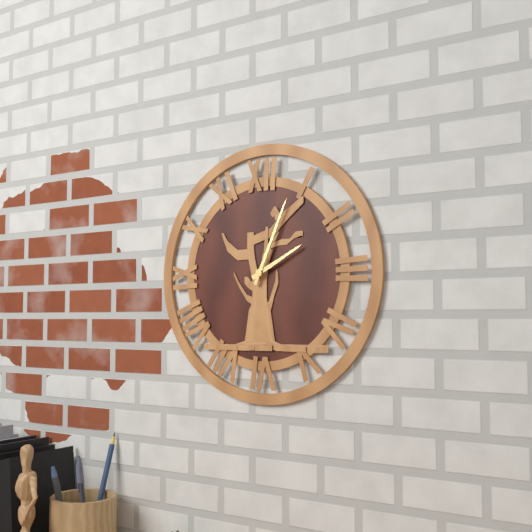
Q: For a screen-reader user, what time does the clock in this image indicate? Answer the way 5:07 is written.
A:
2:04
